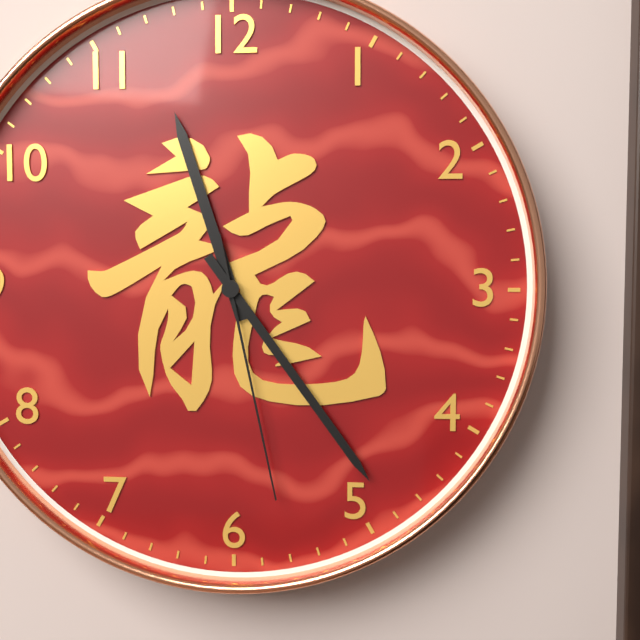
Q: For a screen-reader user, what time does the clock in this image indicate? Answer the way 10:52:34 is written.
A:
11:24:28
